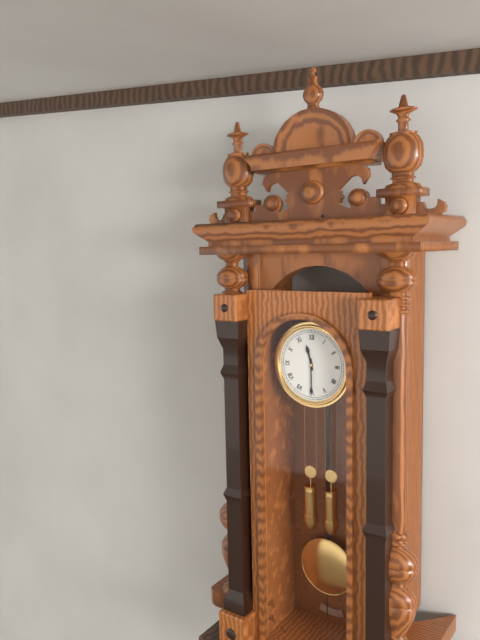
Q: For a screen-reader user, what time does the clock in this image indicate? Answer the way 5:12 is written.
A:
11:30
